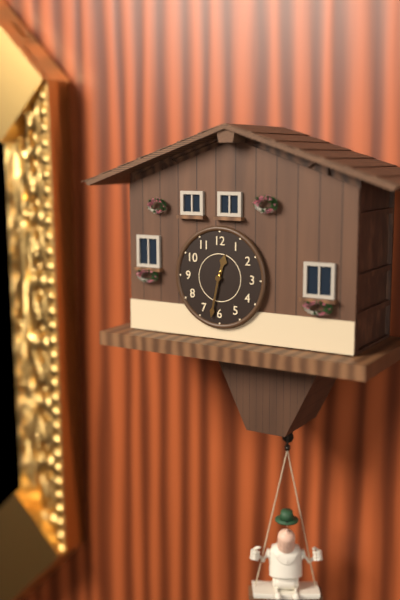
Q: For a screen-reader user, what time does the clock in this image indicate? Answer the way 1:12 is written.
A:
12:32
